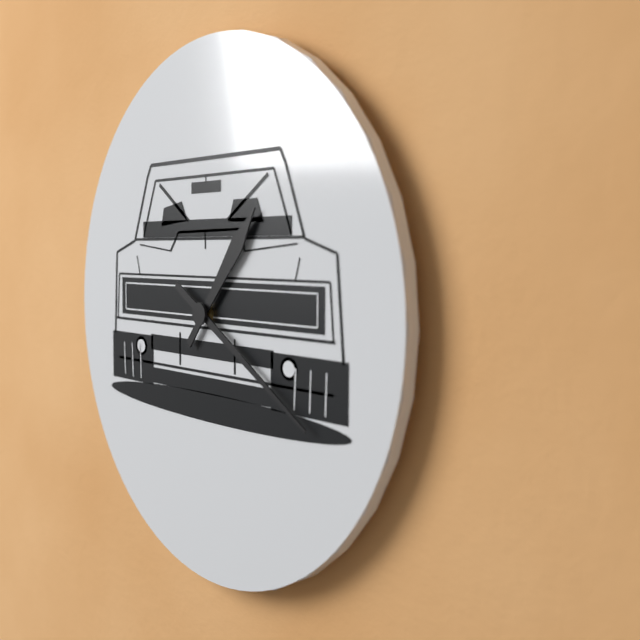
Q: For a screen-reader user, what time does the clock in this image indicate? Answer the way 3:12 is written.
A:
1:20
